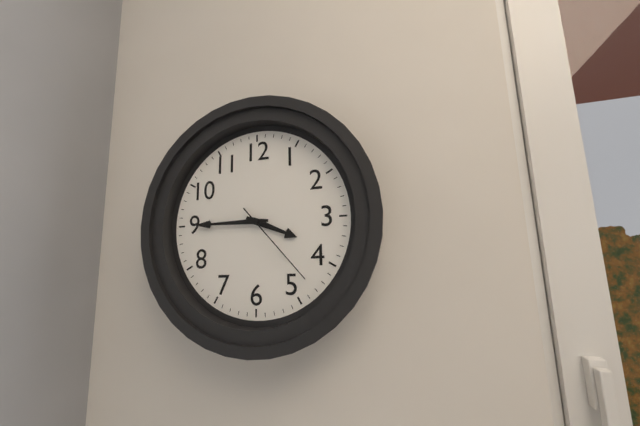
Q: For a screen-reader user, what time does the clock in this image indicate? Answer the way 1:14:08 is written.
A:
3:45:23
